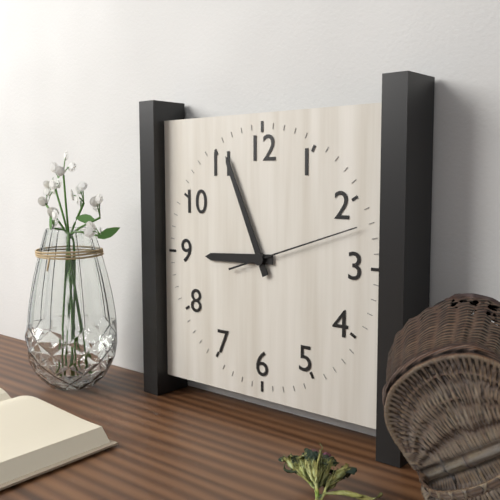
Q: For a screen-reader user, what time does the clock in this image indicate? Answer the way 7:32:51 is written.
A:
8:56:12
